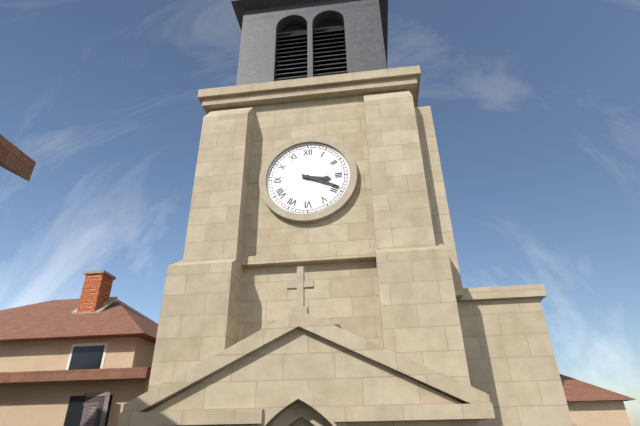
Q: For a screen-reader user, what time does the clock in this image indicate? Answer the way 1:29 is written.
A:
3:19
